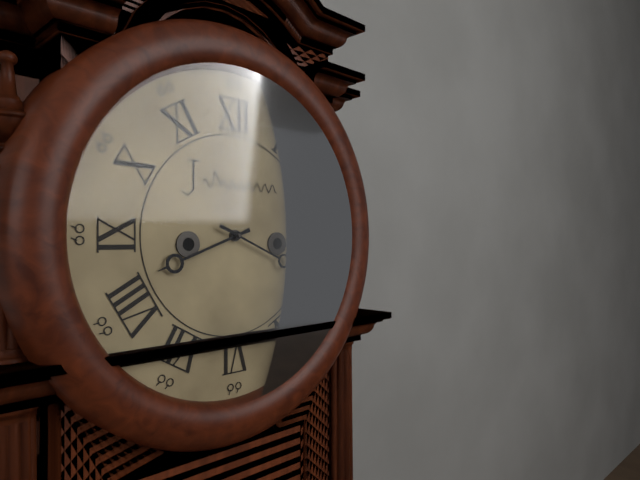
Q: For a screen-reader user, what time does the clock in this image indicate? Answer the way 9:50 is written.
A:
8:19
